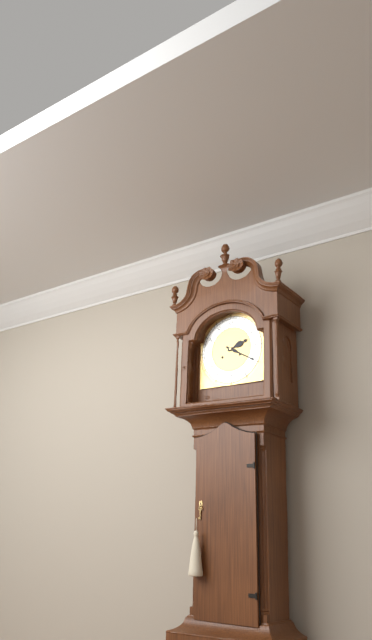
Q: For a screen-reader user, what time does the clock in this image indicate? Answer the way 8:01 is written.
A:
2:20
